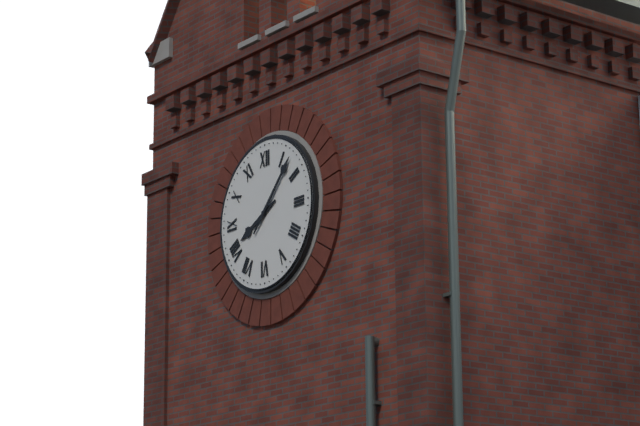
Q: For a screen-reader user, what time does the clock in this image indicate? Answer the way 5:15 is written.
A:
8:07
